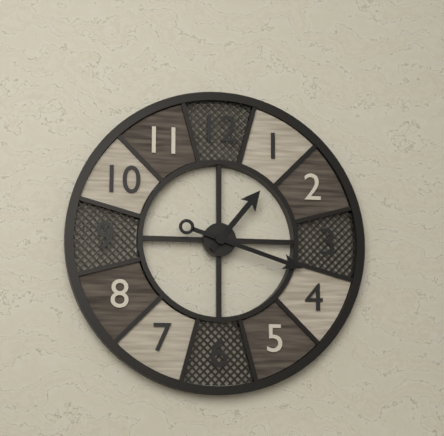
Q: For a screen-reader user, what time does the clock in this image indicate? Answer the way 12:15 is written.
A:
1:18
